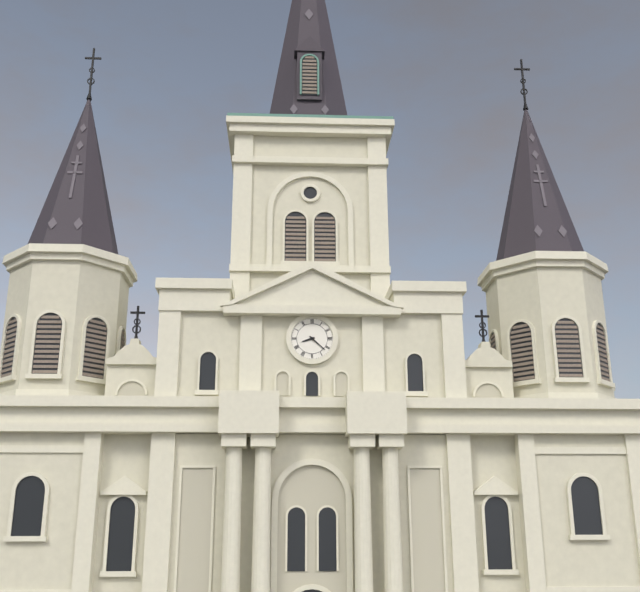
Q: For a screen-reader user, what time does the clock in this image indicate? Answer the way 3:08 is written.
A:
8:22
